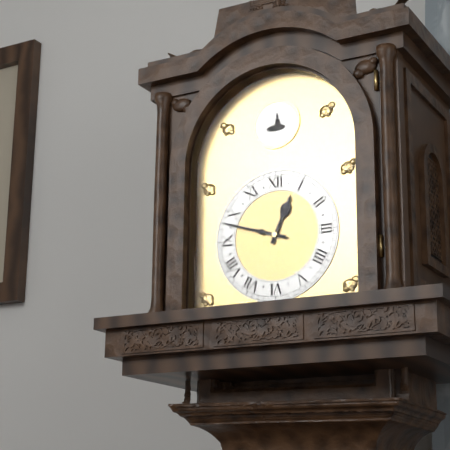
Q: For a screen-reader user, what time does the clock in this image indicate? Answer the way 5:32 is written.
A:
12:48
